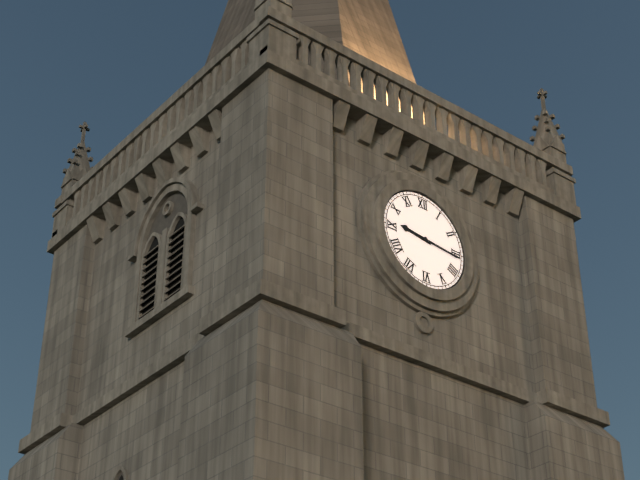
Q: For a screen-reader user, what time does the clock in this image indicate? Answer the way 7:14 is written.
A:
9:16
